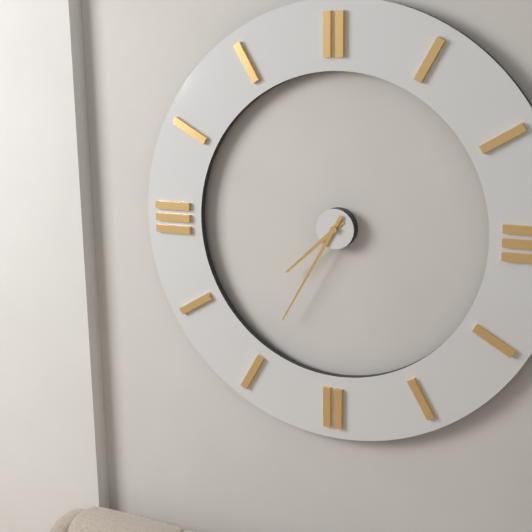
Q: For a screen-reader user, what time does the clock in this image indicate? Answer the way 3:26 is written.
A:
7:35
